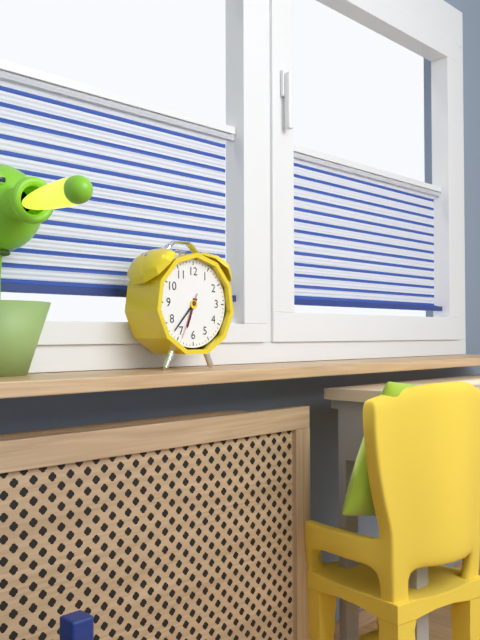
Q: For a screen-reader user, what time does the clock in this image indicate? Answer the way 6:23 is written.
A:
6:37
